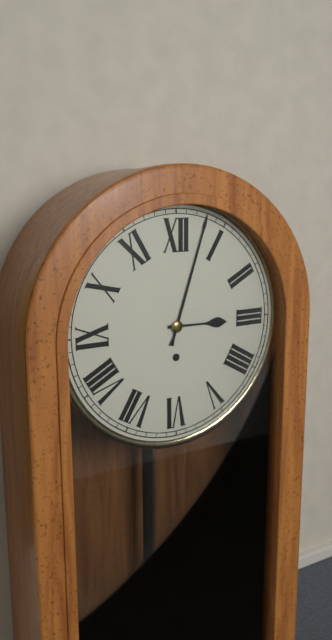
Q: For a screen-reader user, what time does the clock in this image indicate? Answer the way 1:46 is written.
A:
3:03
